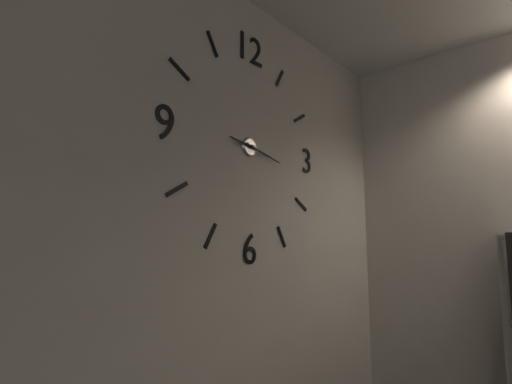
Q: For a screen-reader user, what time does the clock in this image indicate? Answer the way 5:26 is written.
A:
9:17
